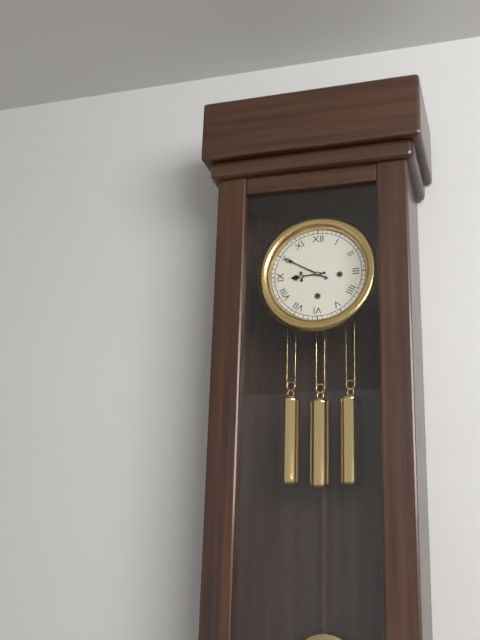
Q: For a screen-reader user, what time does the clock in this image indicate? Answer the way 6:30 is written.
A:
8:50
